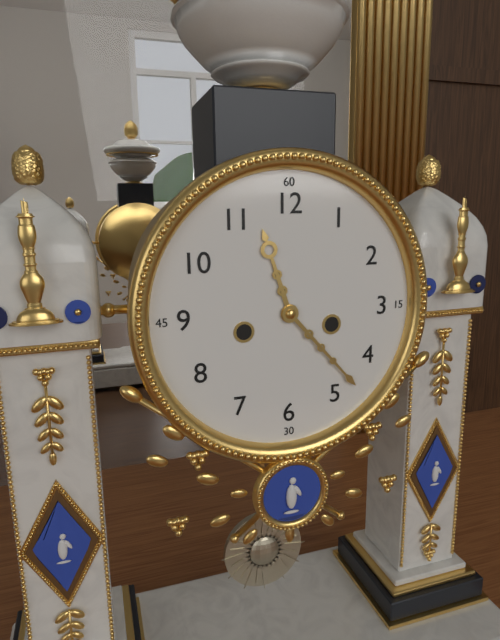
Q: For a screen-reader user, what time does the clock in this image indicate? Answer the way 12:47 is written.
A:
11:23
